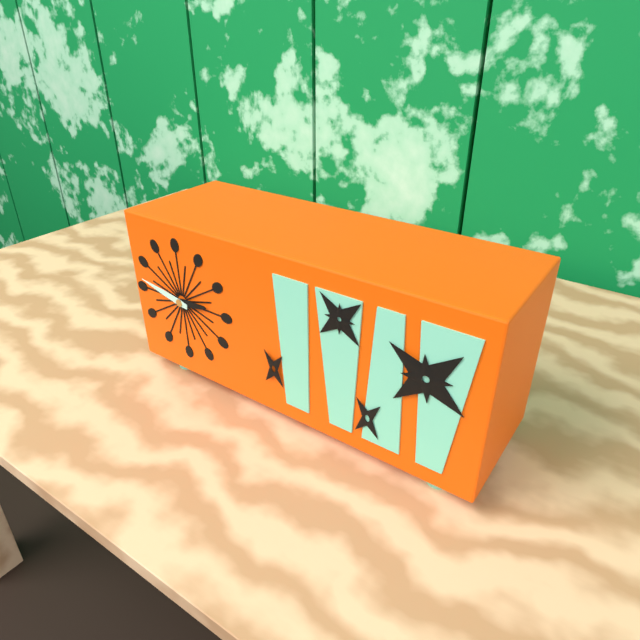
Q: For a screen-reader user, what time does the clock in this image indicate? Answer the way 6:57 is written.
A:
2:47
